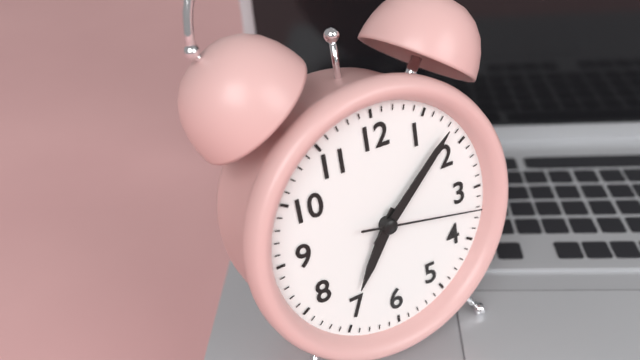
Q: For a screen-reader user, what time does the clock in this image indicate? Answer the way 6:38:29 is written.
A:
7:08:17
